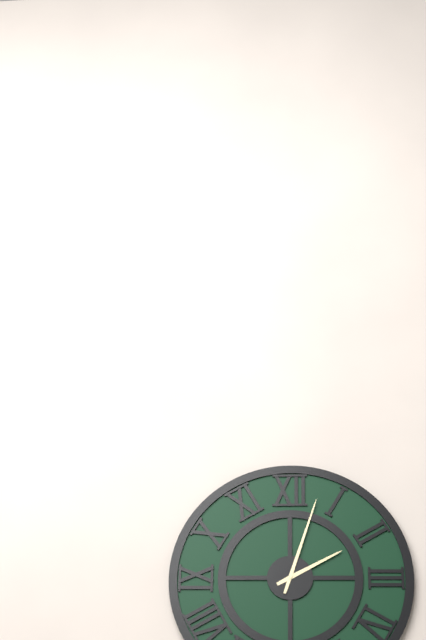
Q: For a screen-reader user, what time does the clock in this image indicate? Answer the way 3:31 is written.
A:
2:03
